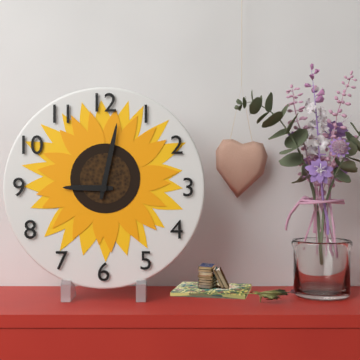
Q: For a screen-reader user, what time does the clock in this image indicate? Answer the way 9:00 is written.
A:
9:02
